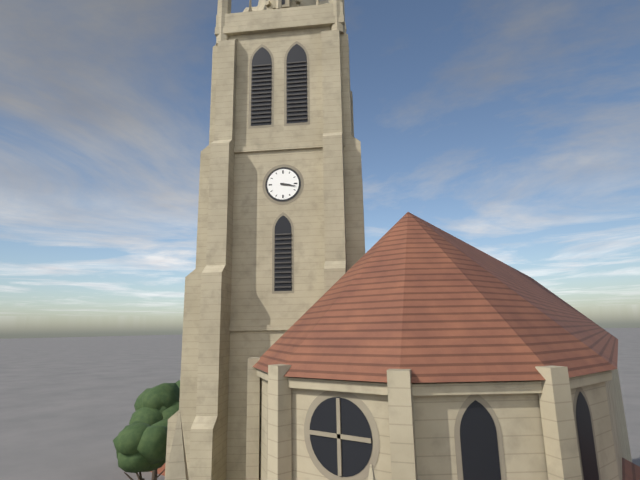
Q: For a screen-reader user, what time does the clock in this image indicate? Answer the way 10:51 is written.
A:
3:17
